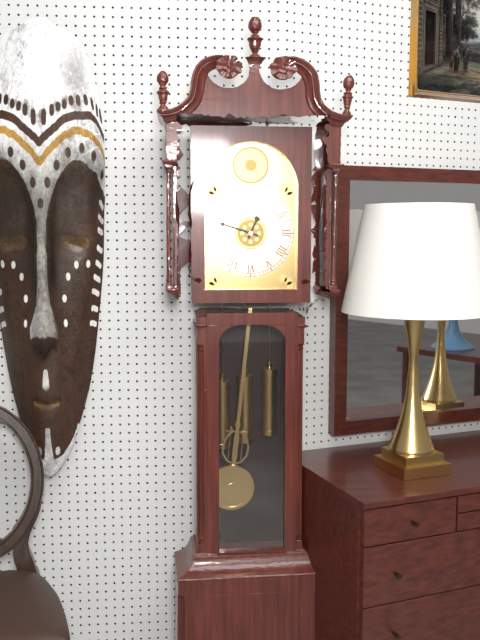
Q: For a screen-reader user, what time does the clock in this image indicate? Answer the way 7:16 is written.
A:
12:48
